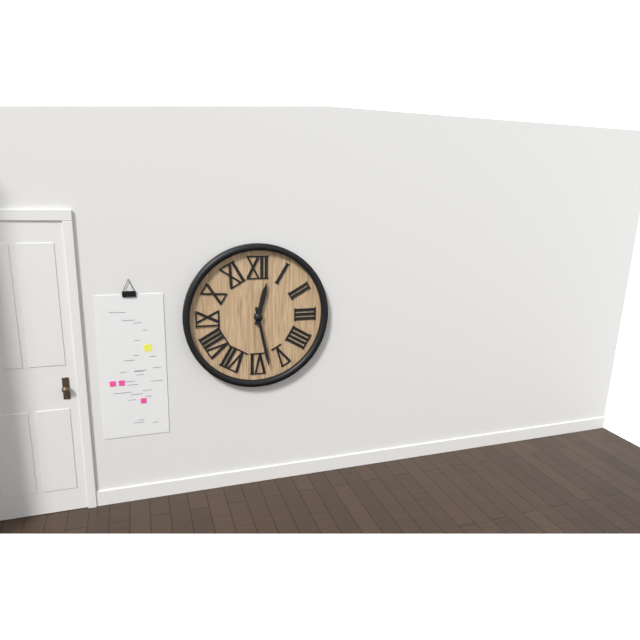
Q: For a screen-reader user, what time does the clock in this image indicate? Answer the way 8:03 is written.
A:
12:28
